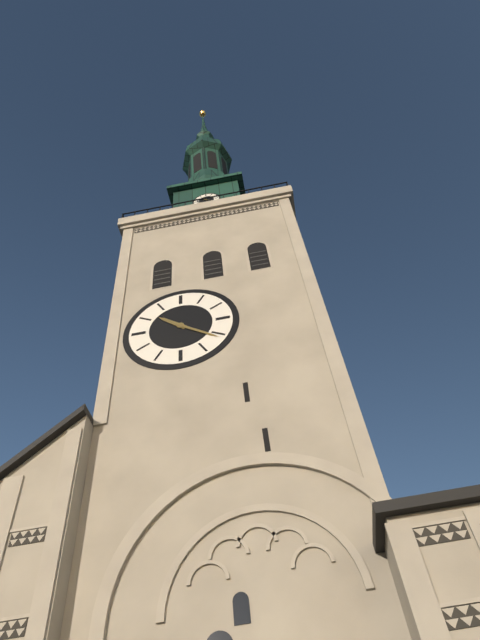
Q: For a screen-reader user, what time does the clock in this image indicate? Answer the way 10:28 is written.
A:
10:21
